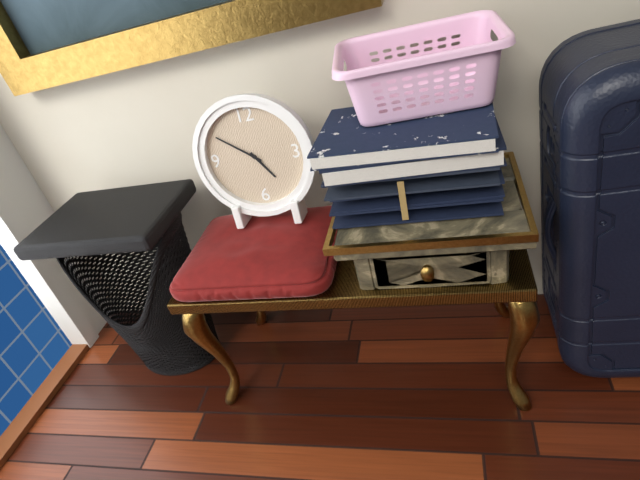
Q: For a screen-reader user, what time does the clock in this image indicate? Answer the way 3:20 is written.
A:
4:51
